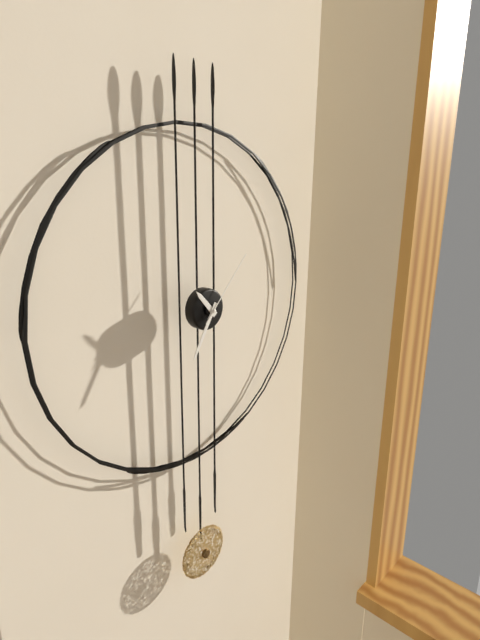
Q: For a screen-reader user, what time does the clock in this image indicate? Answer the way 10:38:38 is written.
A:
10:35:07
